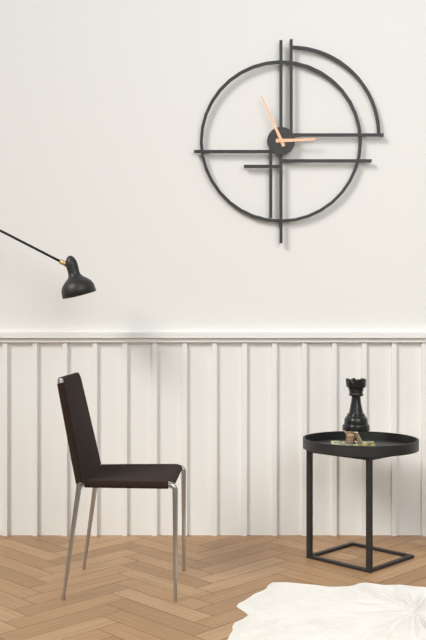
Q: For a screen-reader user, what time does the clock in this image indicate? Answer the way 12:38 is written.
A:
2:56
